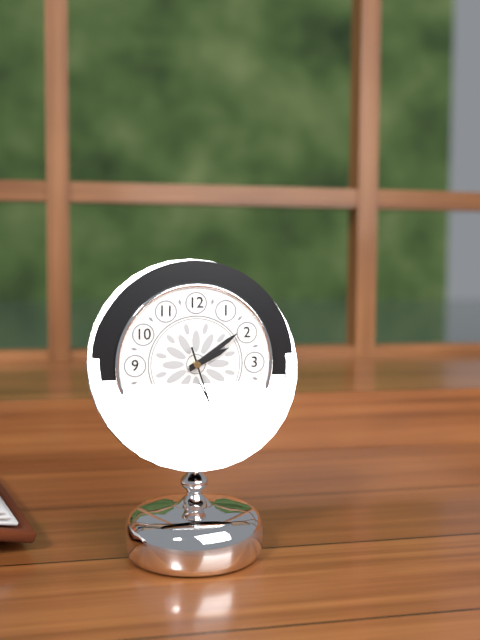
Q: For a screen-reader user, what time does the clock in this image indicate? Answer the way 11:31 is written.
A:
2:09
